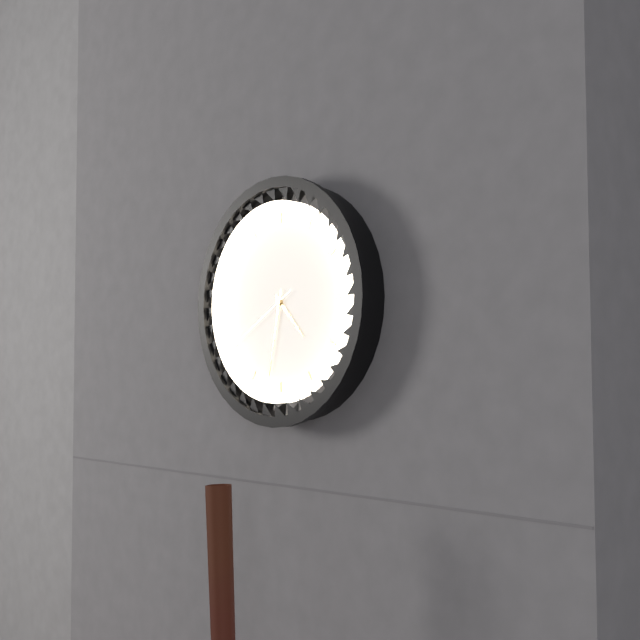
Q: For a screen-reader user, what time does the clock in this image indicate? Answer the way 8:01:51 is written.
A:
4:32:40
